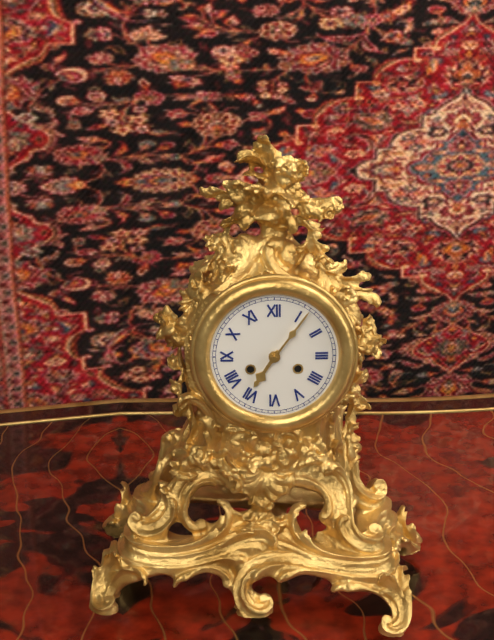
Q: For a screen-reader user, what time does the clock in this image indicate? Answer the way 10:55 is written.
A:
7:06
